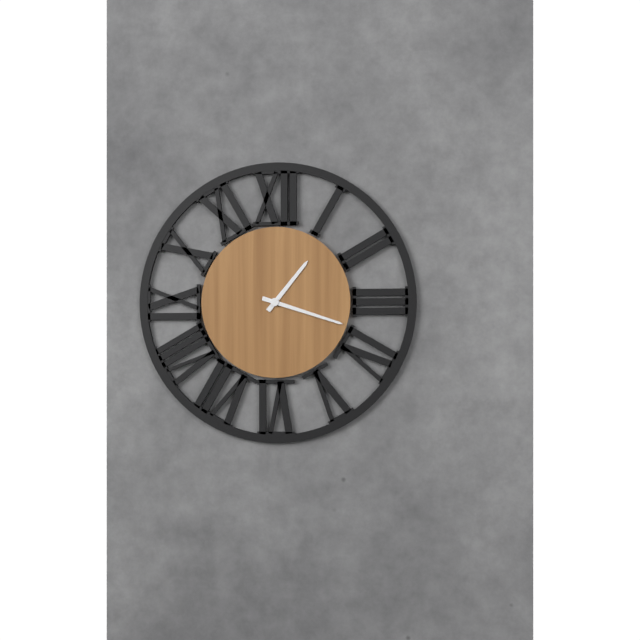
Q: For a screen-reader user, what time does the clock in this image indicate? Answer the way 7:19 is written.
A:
1:18
